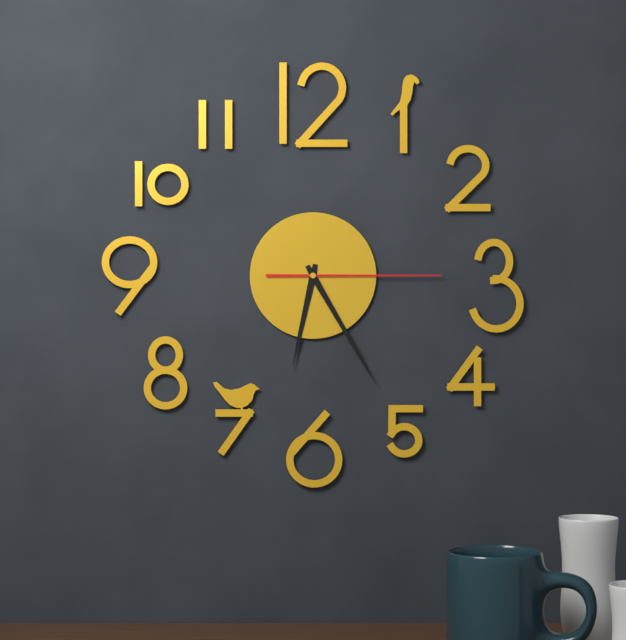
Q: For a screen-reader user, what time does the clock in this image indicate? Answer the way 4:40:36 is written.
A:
6:25:15
